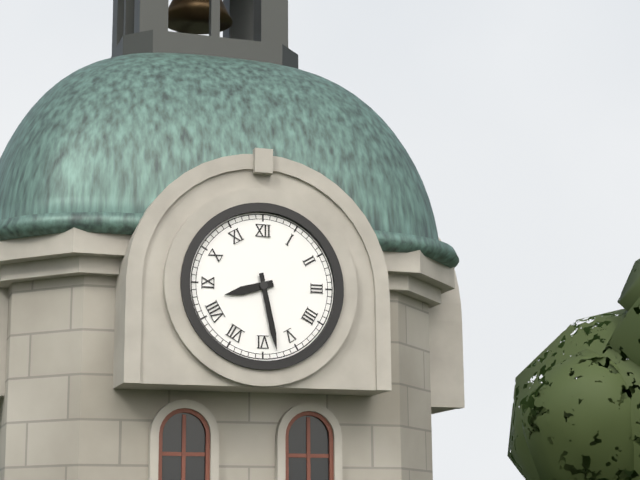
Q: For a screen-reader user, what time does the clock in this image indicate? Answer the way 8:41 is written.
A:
8:28
